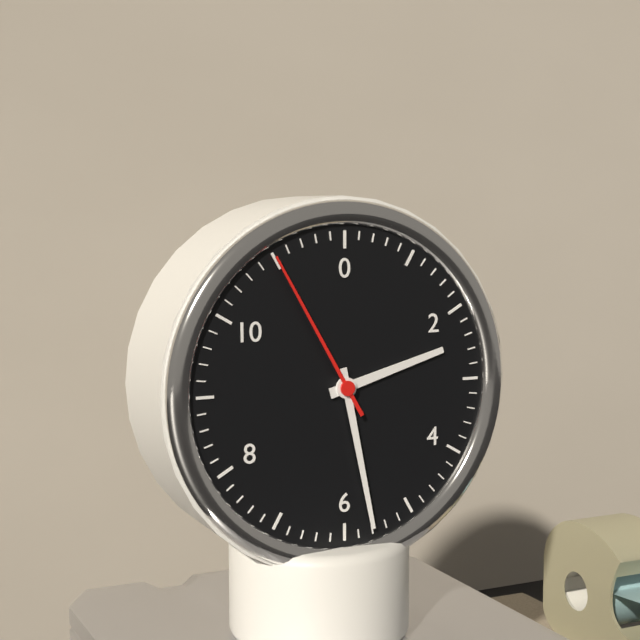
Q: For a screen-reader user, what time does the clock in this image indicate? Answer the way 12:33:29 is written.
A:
2:28:55
